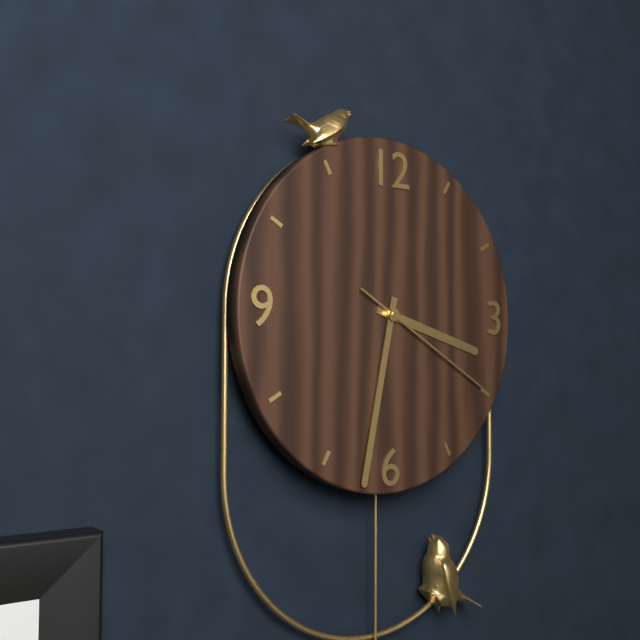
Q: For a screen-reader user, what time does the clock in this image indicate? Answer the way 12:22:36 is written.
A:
3:32:20
